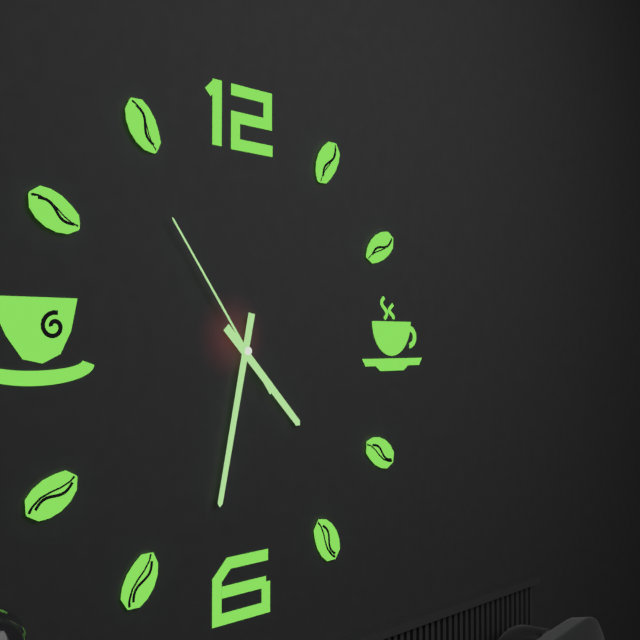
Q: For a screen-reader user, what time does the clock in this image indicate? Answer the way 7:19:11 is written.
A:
4:32:54
